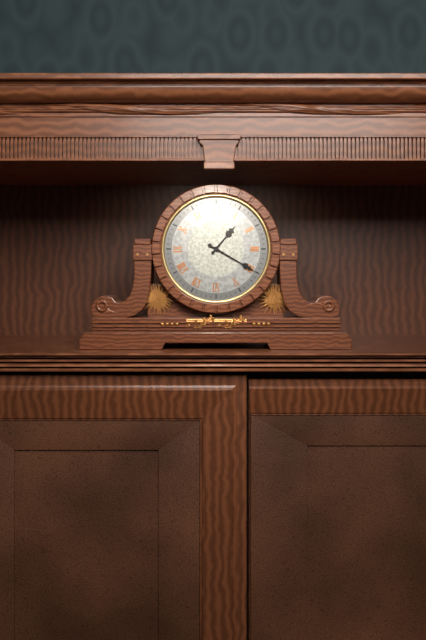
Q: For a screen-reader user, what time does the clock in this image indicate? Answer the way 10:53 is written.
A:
1:20
